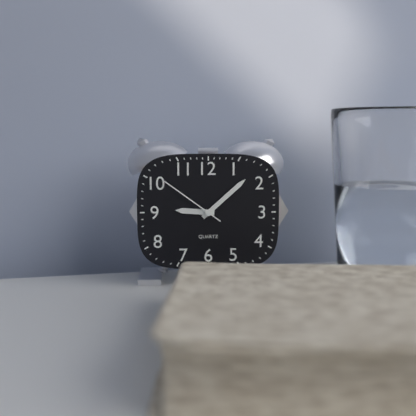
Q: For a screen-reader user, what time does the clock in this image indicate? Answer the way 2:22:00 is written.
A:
9:08:51
